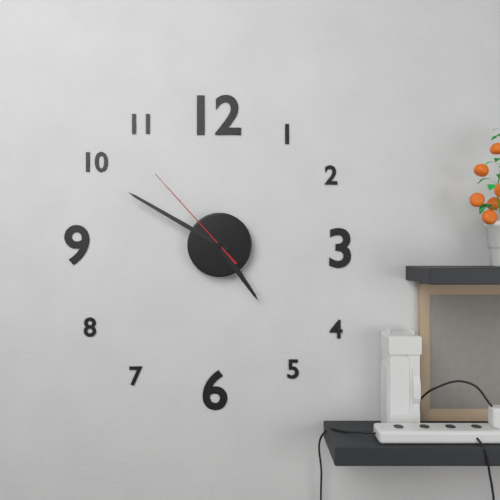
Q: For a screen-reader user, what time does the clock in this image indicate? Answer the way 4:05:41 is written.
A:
4:50:53
